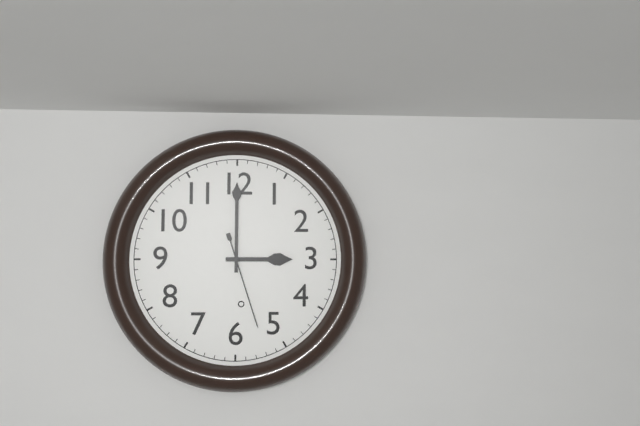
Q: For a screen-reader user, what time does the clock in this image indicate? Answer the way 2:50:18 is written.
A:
3:00:27
